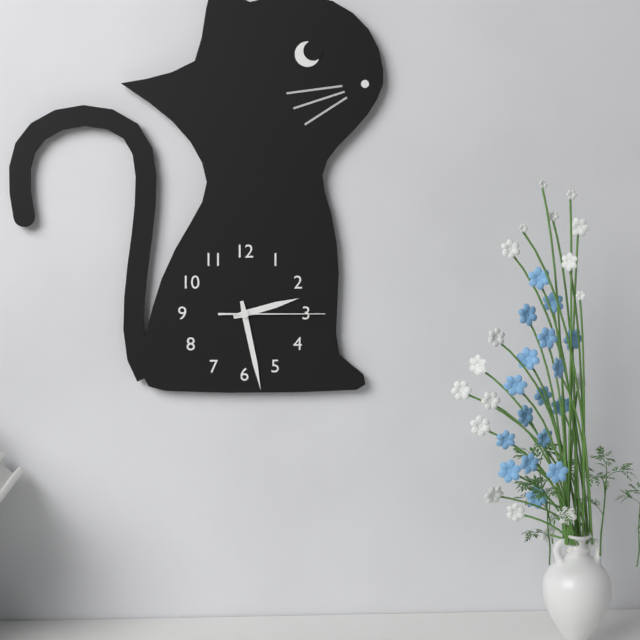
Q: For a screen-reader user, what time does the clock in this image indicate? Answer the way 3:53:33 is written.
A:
2:28:15
